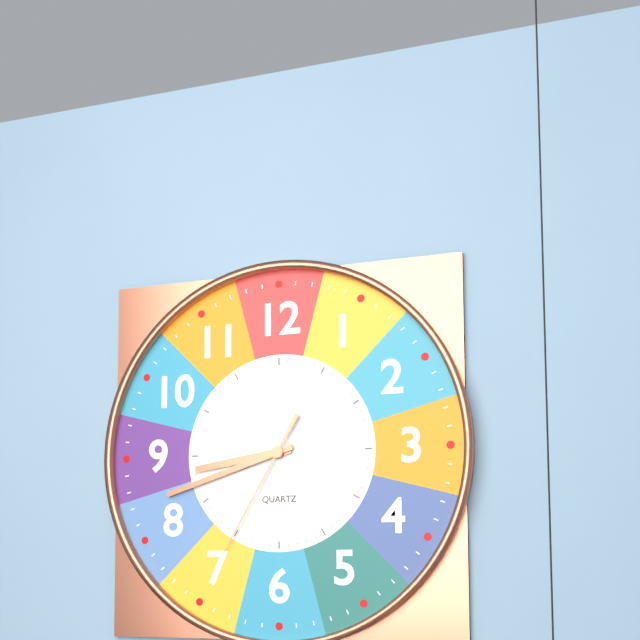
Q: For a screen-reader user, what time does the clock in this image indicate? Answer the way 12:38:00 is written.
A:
8:42:35
